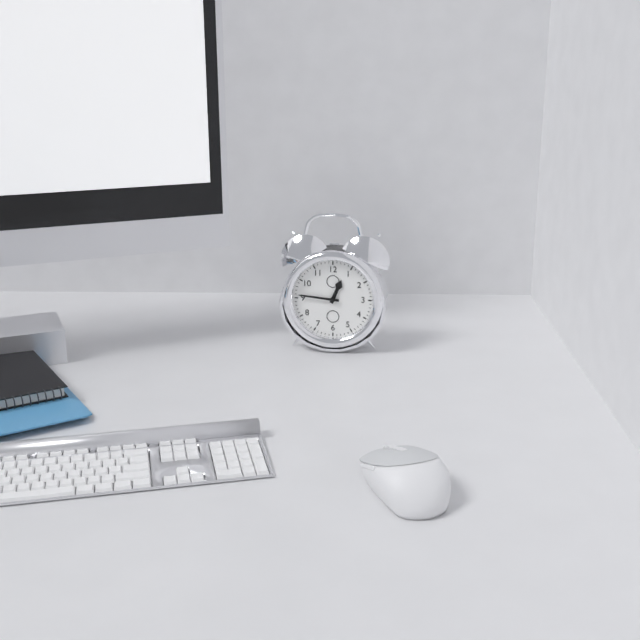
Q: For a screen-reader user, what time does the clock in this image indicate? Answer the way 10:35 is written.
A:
12:46
